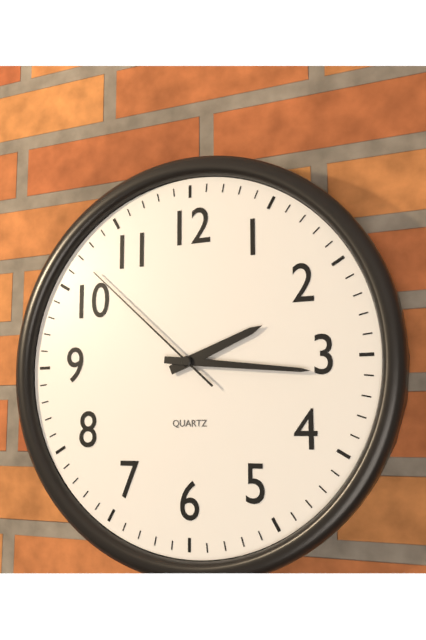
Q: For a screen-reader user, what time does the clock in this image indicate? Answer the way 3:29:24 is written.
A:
2:16:52
